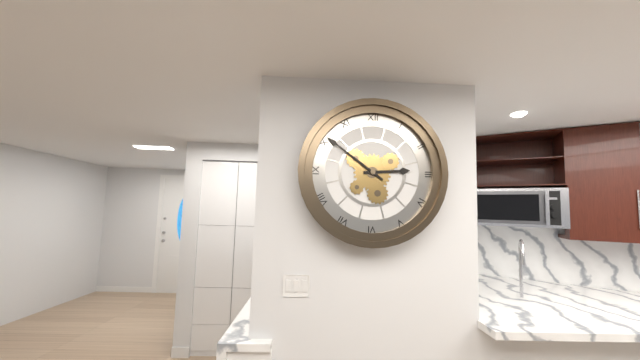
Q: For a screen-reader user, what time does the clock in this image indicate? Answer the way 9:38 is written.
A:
2:51
